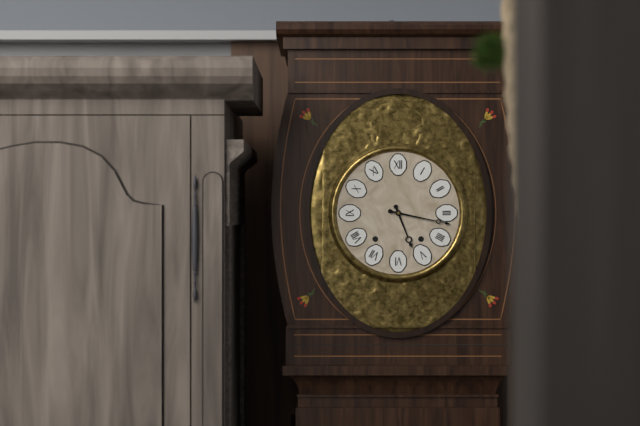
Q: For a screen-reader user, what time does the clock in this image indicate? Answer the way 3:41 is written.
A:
5:17
